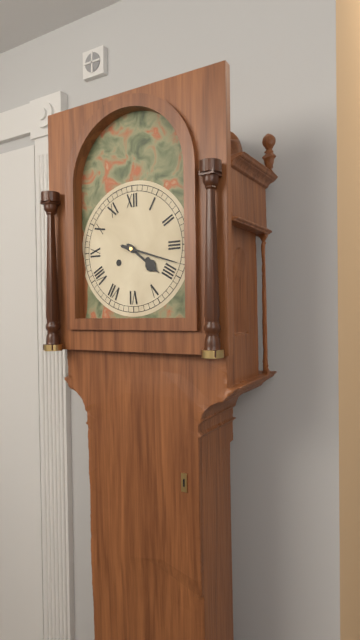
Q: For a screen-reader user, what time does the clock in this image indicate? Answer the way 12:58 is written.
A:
4:18
